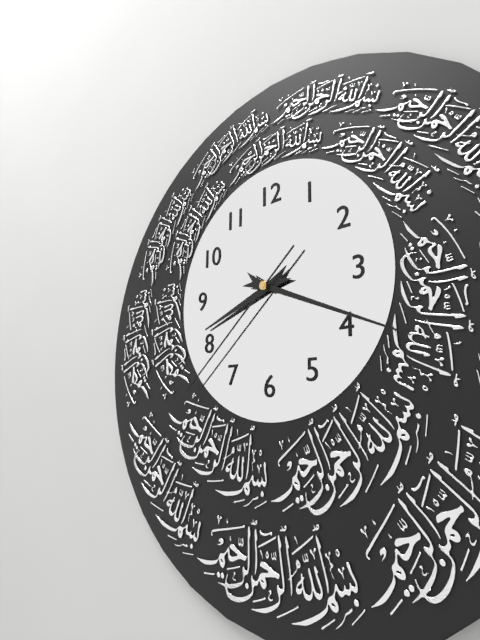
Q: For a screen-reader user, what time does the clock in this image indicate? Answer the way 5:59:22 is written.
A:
8:19:38
